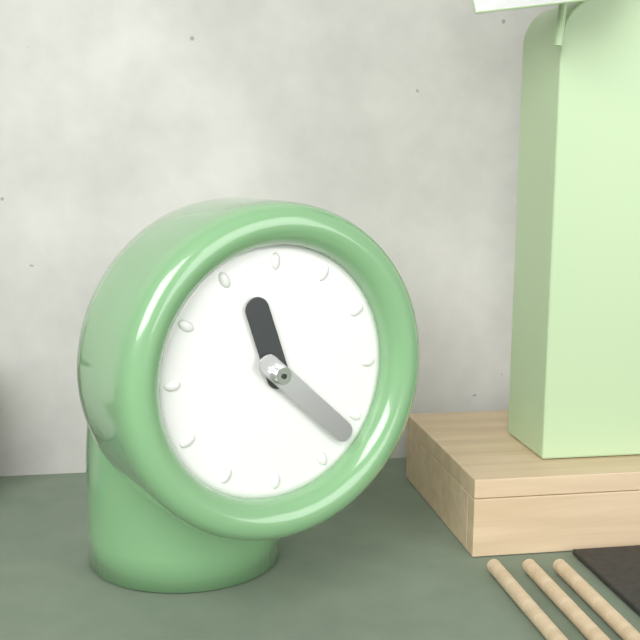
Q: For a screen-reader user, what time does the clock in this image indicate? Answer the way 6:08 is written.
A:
11:22
